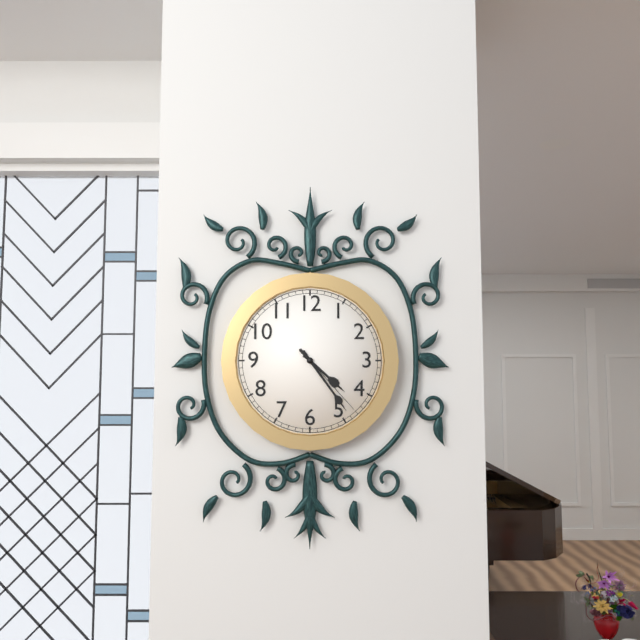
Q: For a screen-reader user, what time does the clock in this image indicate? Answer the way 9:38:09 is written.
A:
4:24:23
